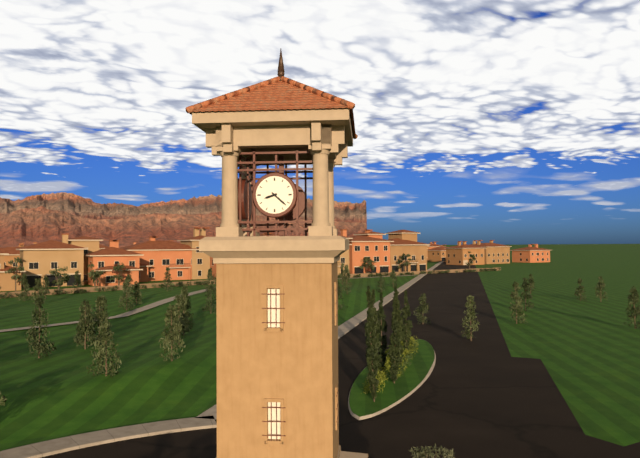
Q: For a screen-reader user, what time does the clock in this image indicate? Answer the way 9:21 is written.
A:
8:22
